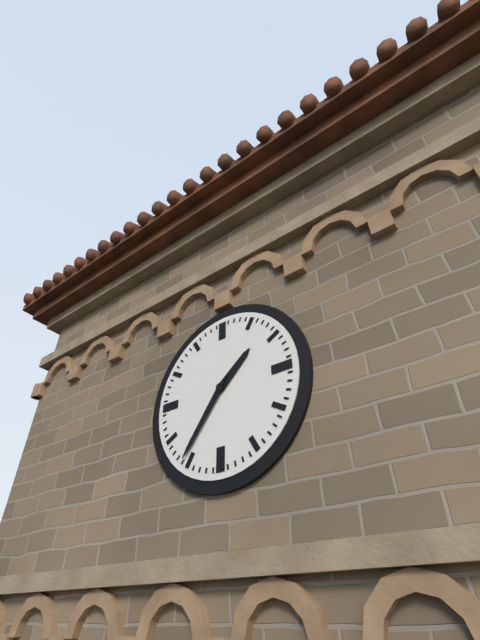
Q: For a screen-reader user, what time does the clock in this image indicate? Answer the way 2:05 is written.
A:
1:36
